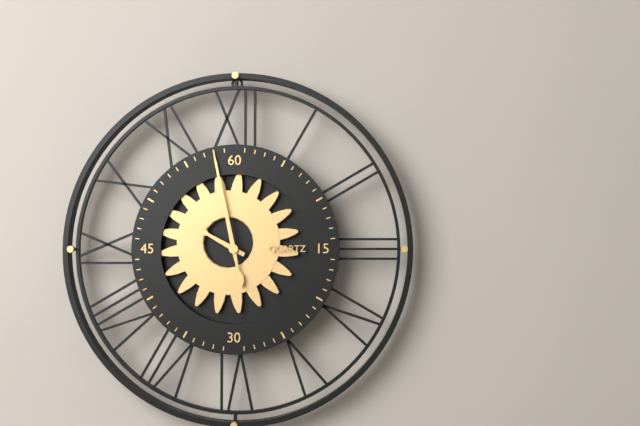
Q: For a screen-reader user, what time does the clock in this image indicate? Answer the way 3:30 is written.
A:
9:58
